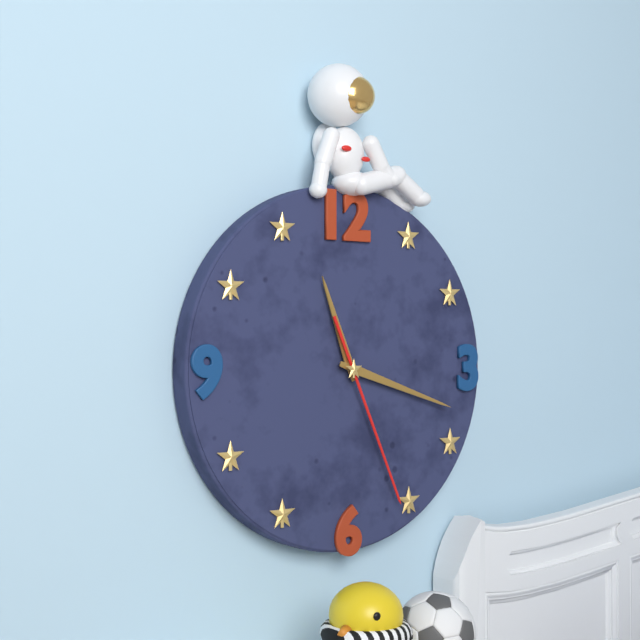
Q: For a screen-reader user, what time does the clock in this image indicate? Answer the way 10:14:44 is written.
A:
11:18:26
